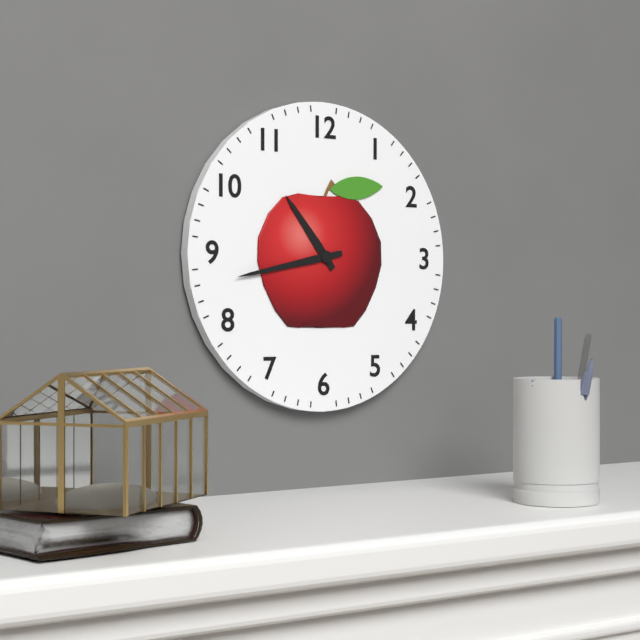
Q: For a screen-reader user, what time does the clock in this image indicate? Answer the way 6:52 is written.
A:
10:43
